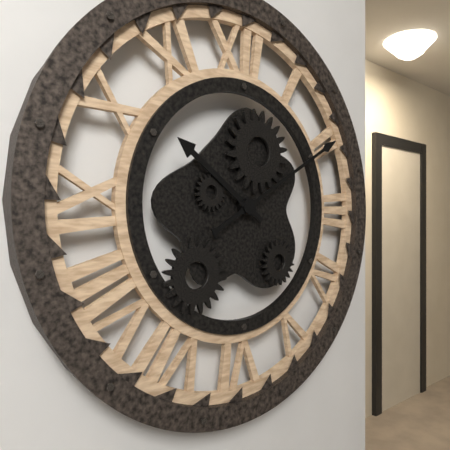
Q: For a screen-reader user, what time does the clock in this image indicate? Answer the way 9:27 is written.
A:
10:10
